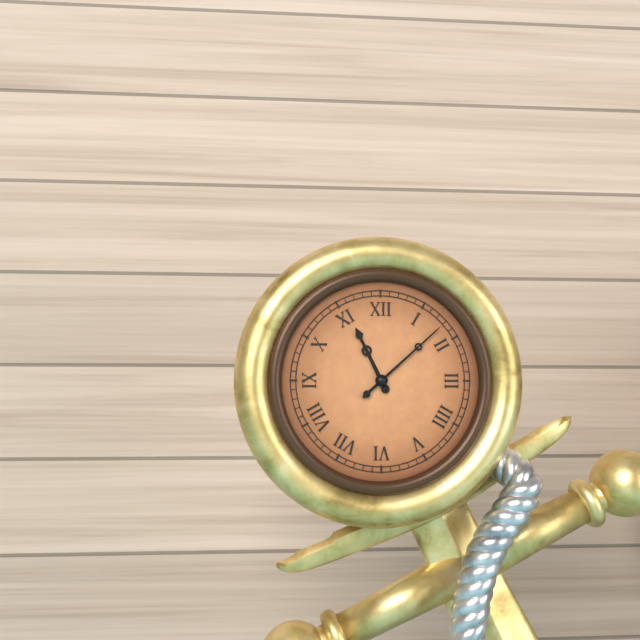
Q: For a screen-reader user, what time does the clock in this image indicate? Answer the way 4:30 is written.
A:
11:08
